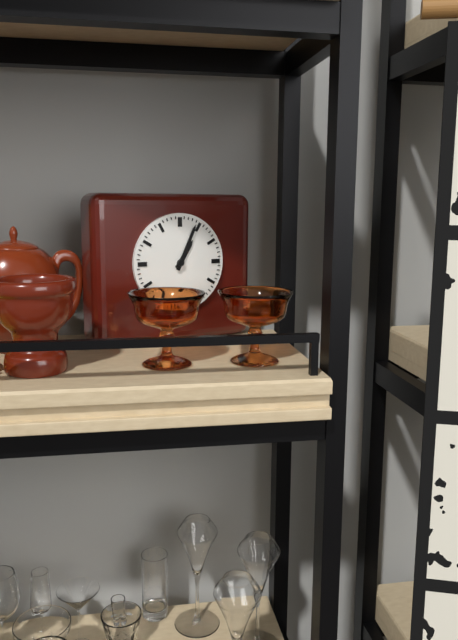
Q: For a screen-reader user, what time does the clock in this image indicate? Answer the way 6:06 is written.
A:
1:04
